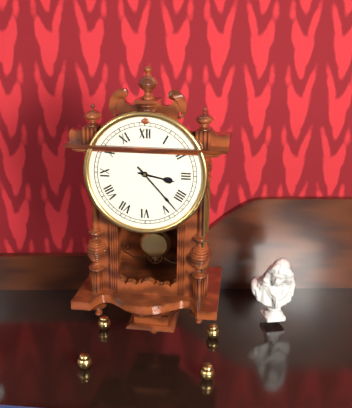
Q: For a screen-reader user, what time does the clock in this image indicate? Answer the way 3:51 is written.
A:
3:23
